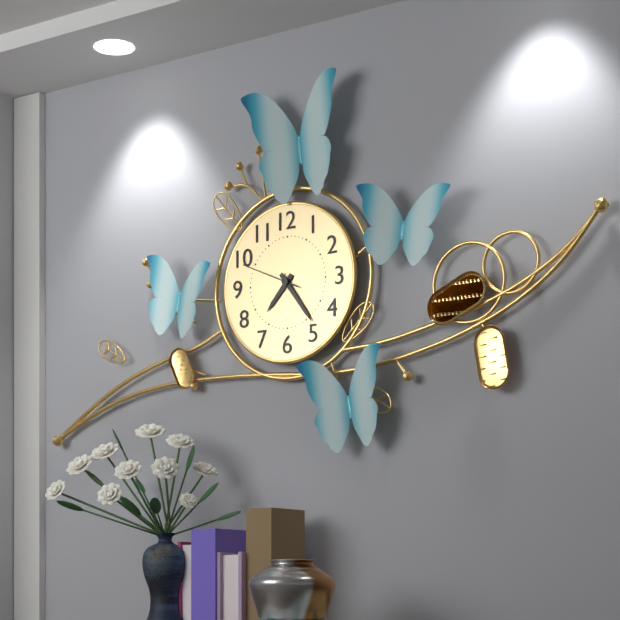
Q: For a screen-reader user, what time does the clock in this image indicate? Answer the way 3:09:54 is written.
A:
7:24:49
